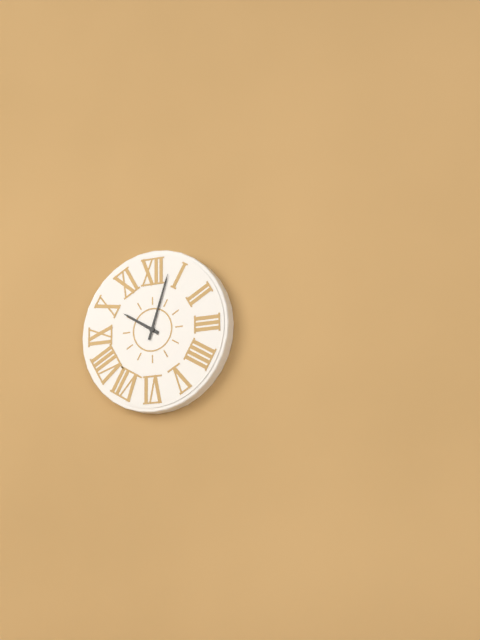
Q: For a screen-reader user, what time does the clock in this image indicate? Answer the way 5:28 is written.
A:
10:03
